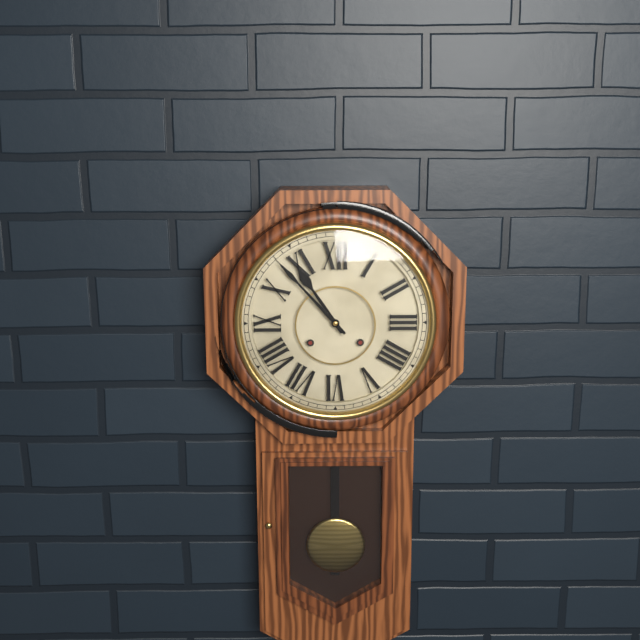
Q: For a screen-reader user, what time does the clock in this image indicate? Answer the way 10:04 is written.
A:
10:53
